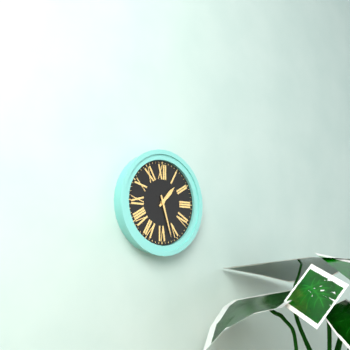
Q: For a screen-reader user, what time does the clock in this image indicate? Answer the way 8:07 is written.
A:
1:27
